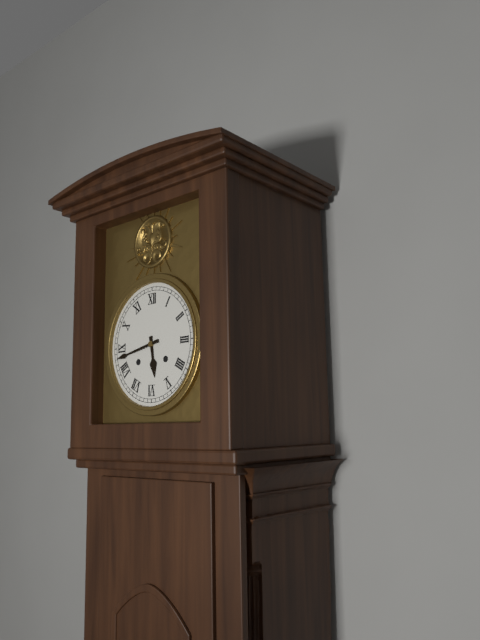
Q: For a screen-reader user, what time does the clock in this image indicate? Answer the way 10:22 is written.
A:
5:43
